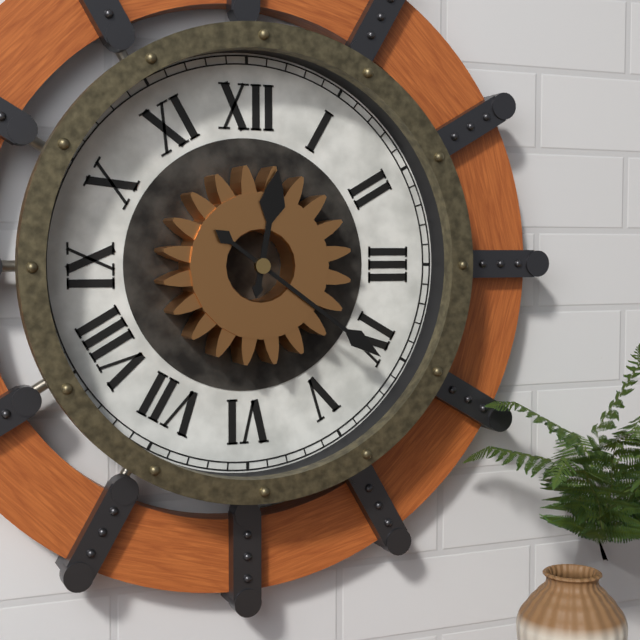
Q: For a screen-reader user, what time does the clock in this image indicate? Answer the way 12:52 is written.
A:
12:21
